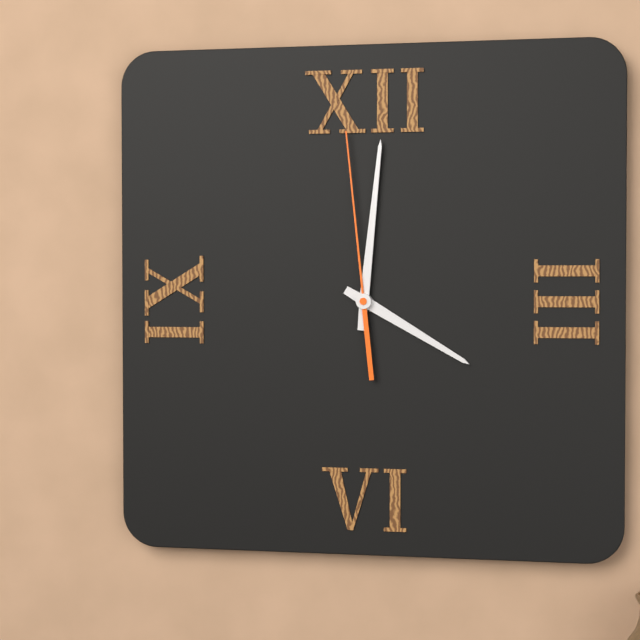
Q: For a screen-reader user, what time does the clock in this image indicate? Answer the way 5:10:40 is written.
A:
4:01:59
